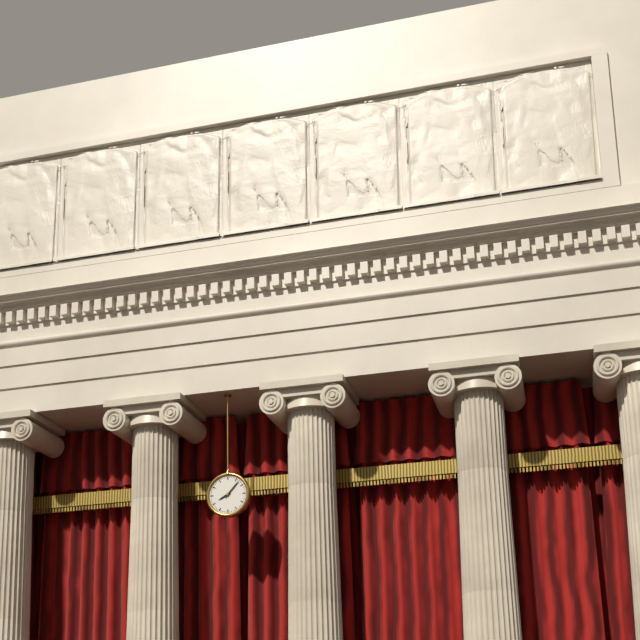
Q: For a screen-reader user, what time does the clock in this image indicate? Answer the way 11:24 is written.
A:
8:07
